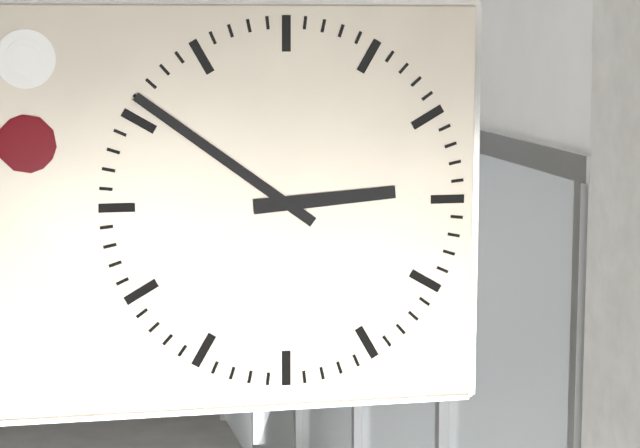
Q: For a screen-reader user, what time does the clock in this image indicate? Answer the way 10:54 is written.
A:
2:51
